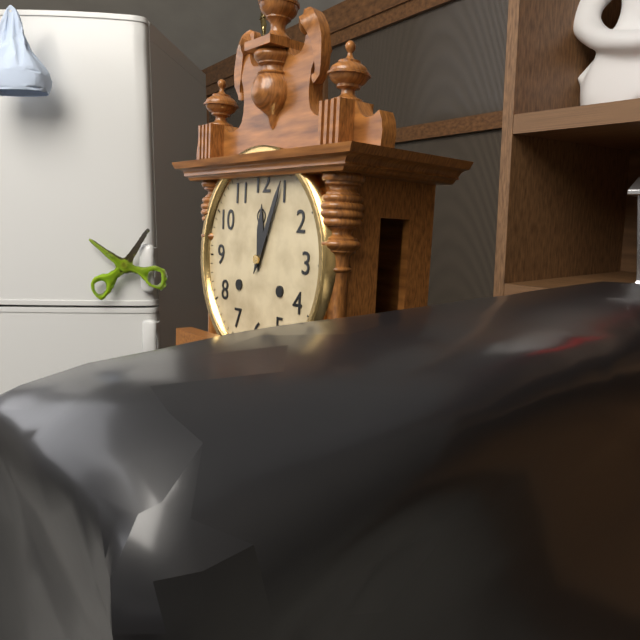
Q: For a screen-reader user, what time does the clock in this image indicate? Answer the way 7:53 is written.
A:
12:04
